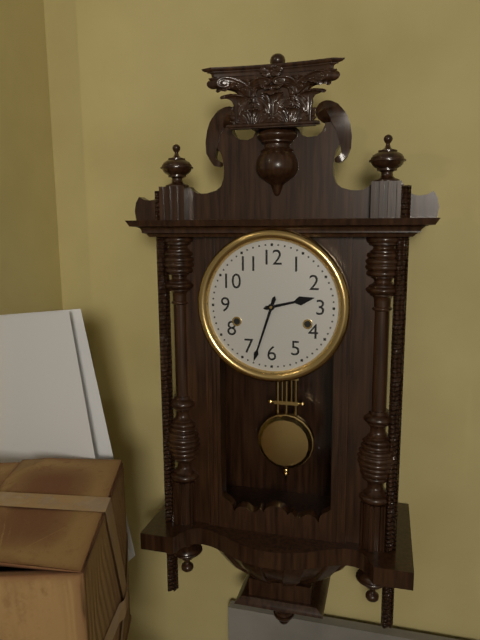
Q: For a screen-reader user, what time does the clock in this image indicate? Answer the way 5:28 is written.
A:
2:33
